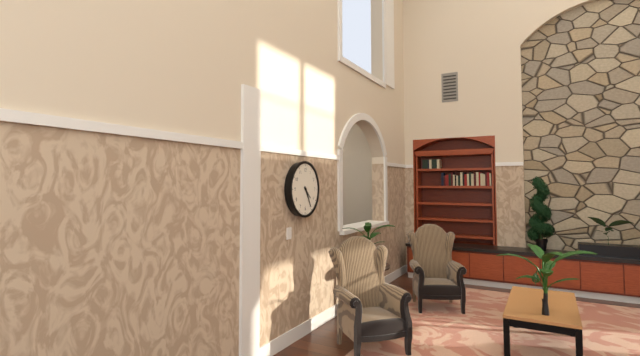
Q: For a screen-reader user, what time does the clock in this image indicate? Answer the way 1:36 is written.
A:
4:25
